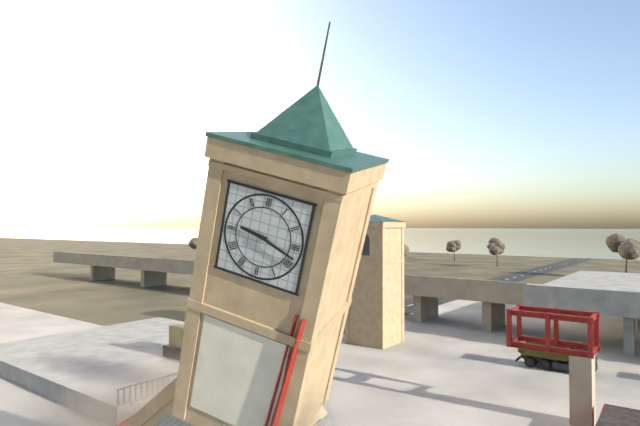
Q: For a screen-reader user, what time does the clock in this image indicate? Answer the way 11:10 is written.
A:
9:18
